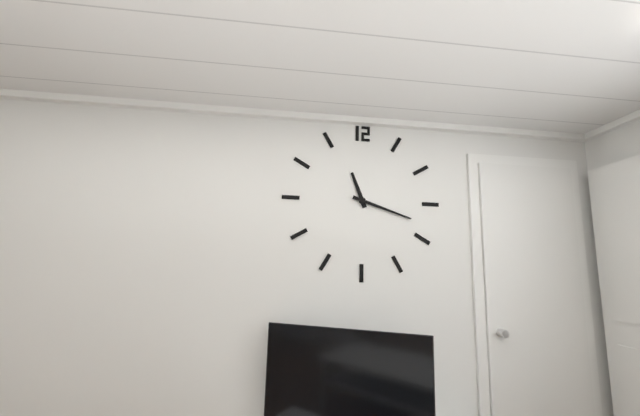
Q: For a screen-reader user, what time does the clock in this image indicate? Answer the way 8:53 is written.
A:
11:18
